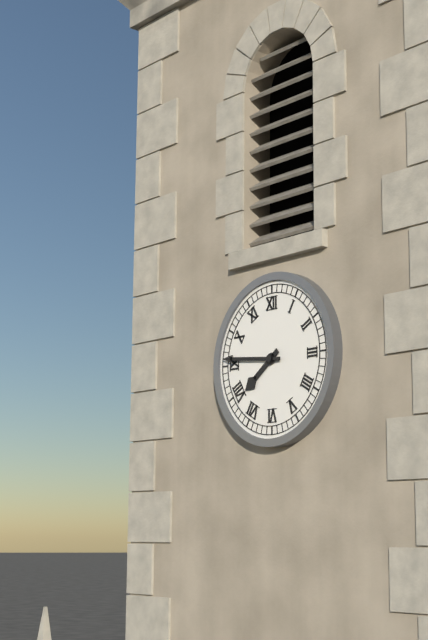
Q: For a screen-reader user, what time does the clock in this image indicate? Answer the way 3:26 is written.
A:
7:46
